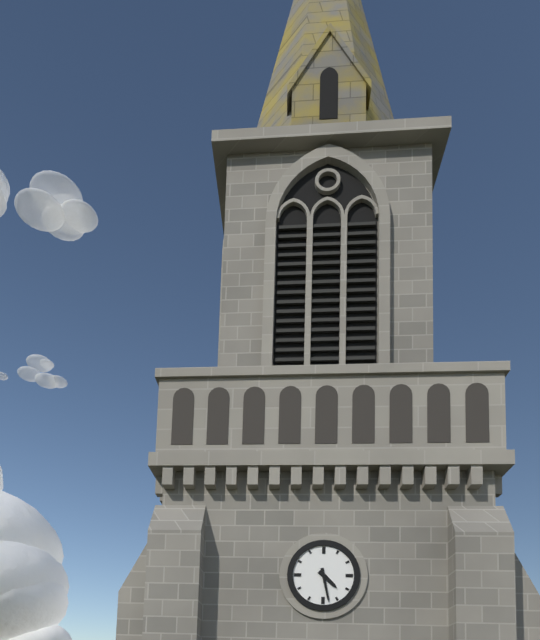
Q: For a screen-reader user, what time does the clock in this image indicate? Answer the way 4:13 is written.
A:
4:28
